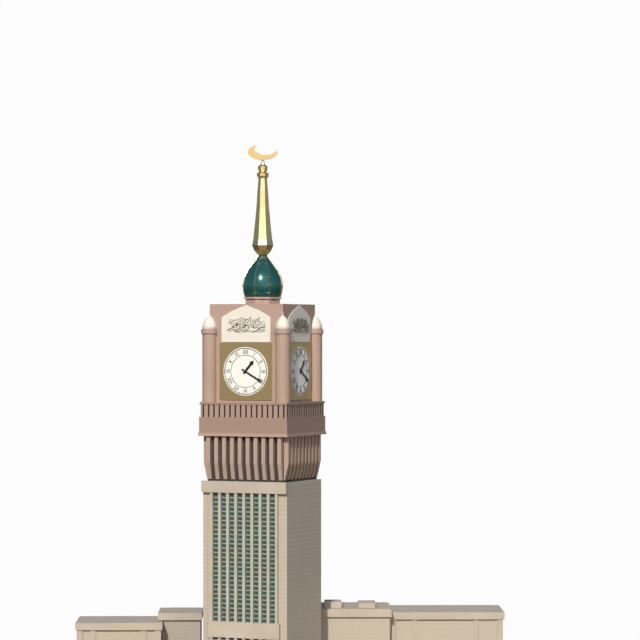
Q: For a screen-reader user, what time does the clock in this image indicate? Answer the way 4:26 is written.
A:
1:20
